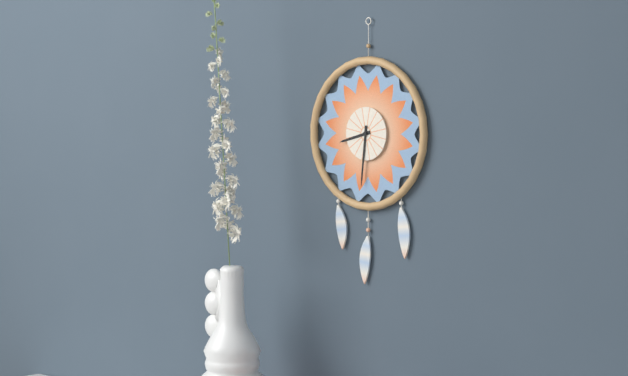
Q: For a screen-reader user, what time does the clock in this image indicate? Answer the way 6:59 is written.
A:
8:31
